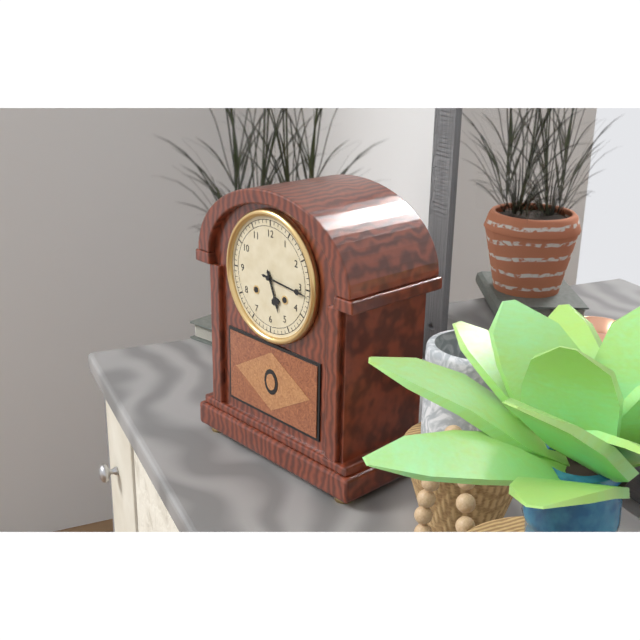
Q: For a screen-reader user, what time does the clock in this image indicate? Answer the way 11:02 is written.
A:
5:16
